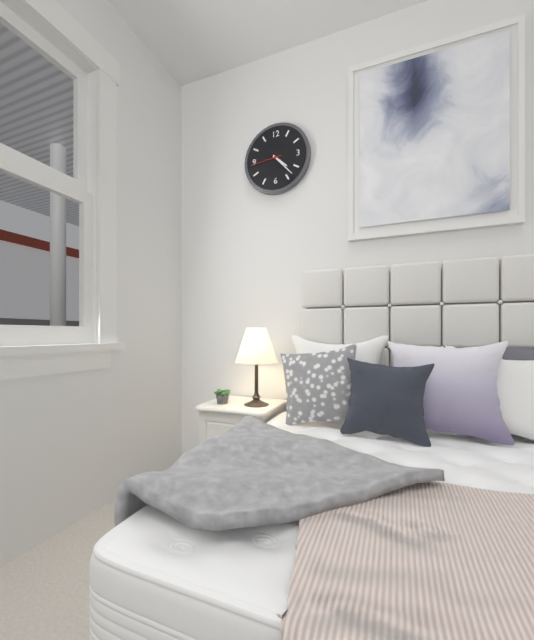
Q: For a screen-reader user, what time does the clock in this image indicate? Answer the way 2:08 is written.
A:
4:23
